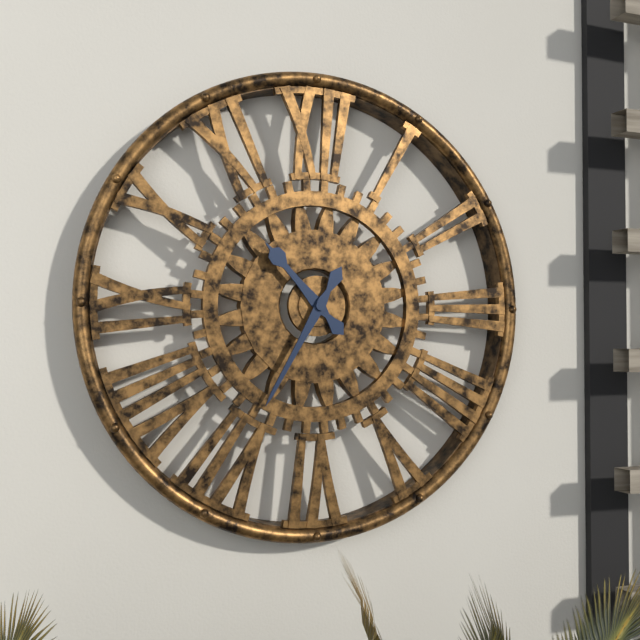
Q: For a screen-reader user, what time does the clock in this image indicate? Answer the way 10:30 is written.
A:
10:35
